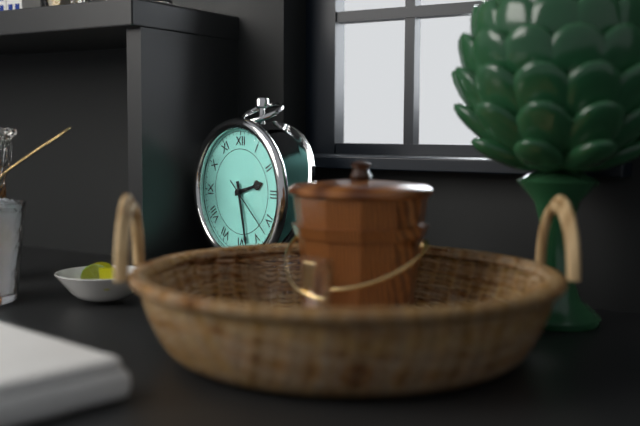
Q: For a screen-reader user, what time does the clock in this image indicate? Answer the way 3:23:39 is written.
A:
2:28:22
